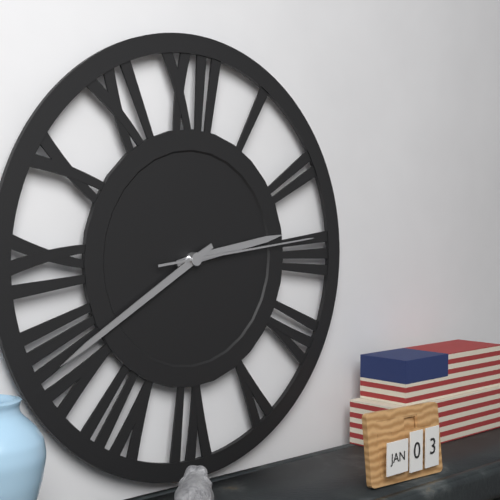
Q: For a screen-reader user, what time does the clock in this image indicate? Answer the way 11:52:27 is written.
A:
2:40:14
